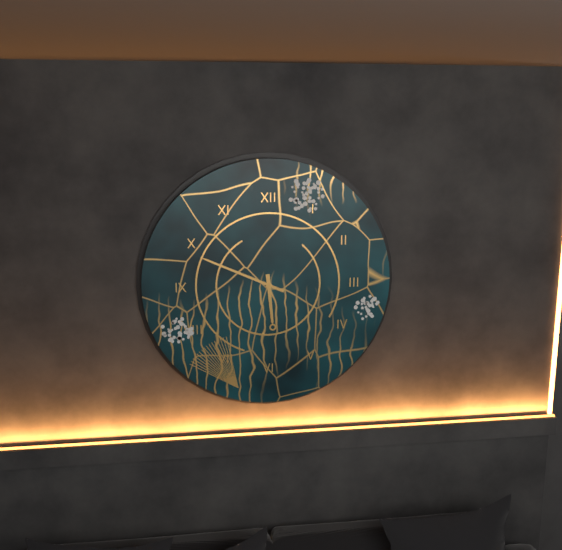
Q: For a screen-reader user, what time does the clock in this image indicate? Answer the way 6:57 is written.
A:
5:49
